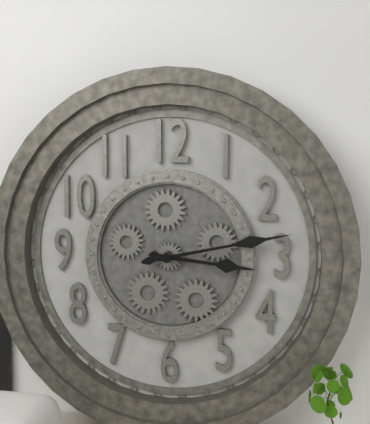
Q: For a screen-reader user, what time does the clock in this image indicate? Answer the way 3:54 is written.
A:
3:13
